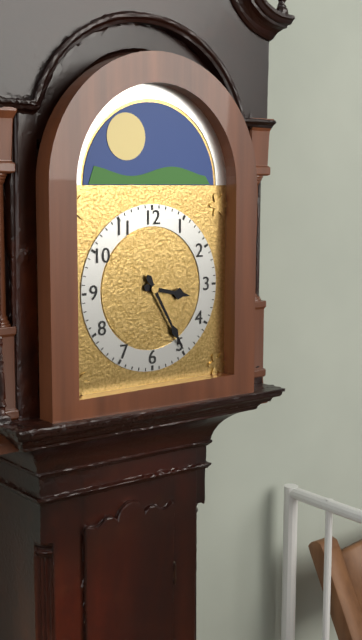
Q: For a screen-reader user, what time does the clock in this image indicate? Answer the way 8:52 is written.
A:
3:25
